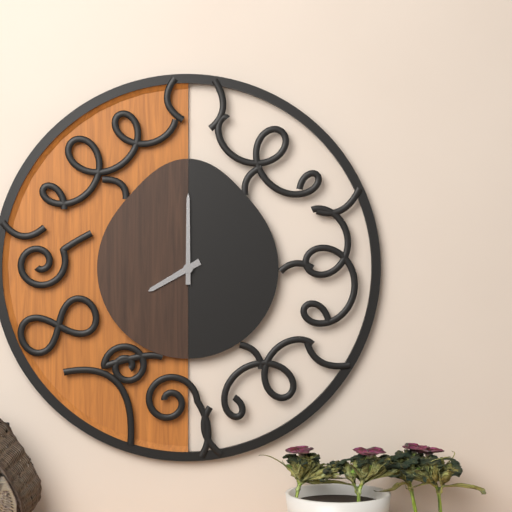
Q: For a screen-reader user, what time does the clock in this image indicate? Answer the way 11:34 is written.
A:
8:00
